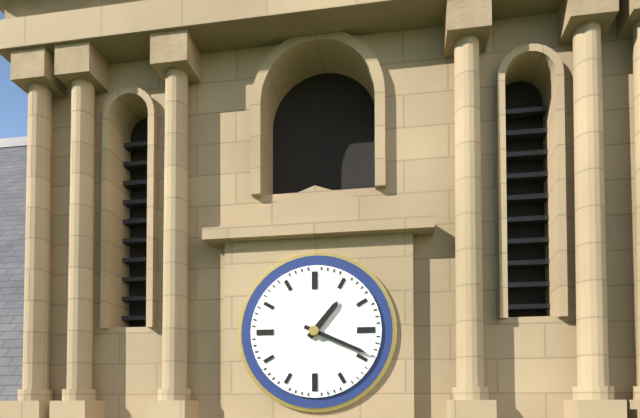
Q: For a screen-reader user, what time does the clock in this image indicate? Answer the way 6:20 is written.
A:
1:19
